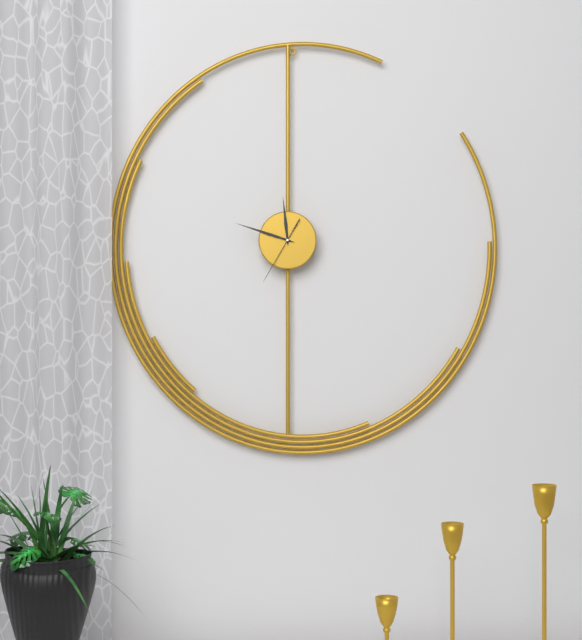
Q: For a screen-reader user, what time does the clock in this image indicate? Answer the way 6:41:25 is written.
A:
11:48:35
